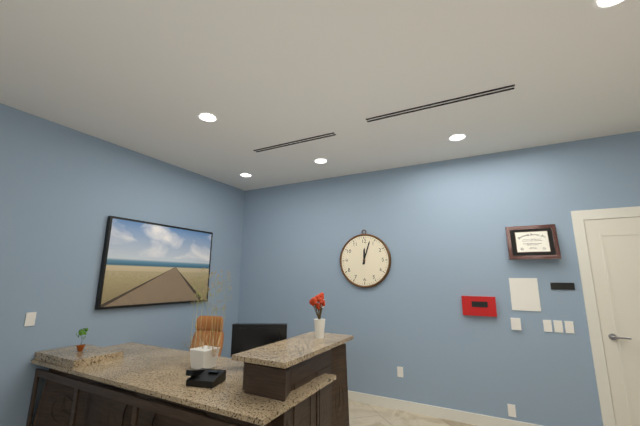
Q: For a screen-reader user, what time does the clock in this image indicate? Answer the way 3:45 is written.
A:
12:03
